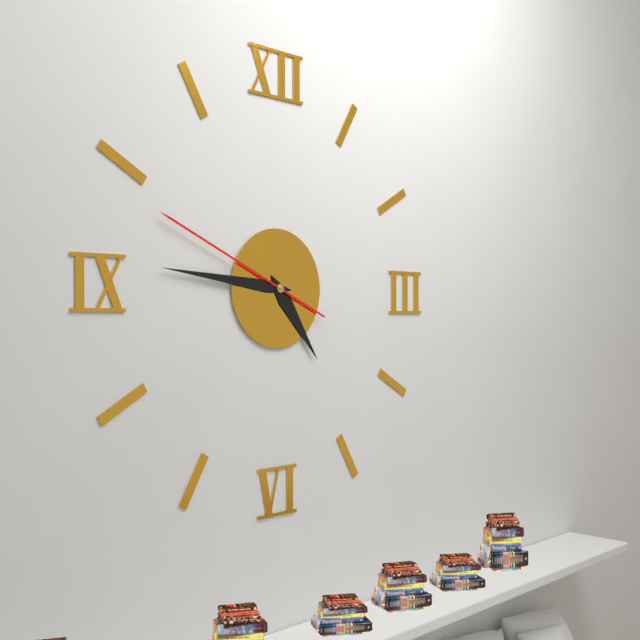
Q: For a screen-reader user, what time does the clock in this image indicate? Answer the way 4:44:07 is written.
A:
4:46:49
